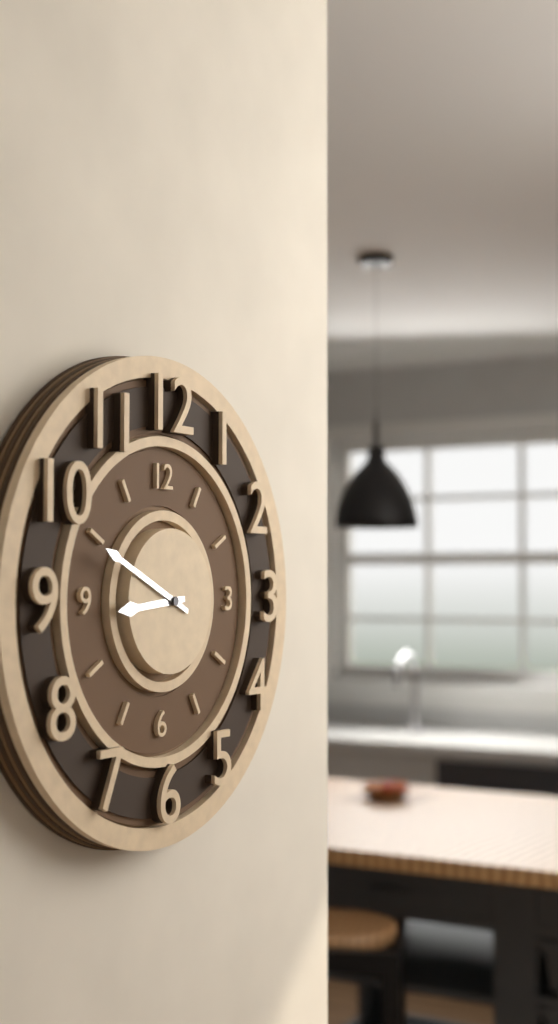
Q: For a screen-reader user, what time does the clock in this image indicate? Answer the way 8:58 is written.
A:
8:49
